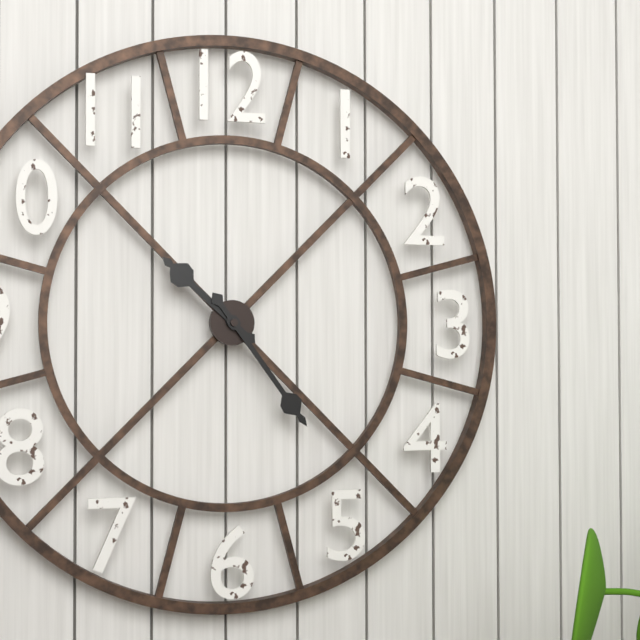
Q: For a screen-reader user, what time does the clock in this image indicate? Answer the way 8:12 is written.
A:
10:24
